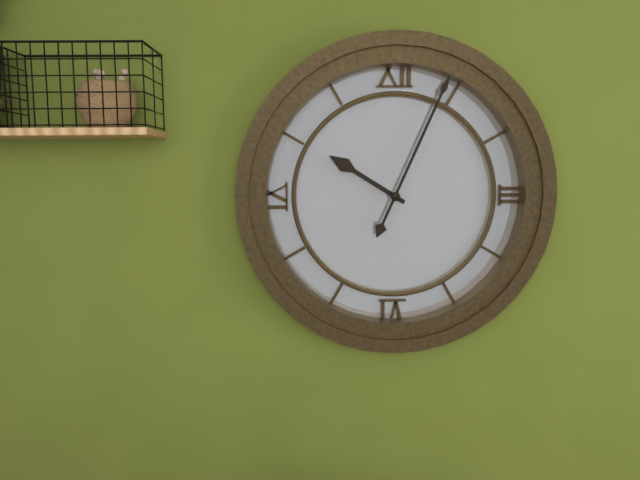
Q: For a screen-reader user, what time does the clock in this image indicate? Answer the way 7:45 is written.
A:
10:04
